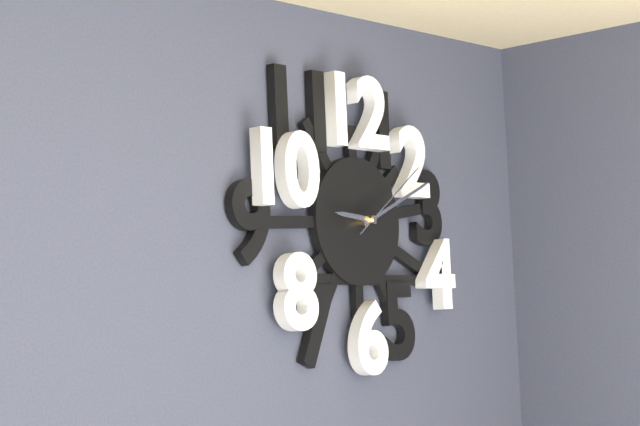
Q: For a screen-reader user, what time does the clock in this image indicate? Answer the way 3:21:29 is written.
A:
9:11:09
